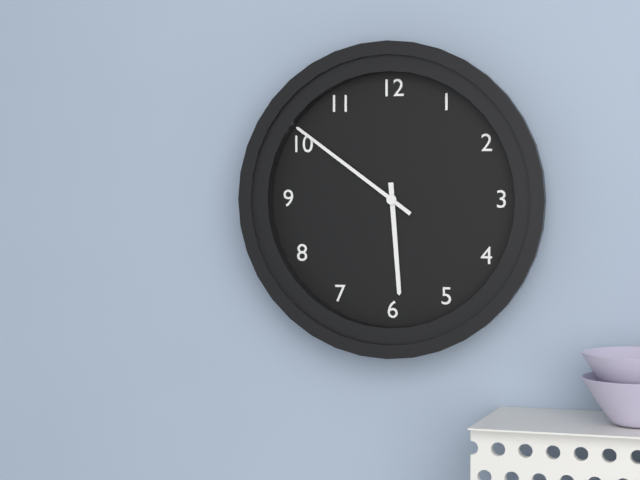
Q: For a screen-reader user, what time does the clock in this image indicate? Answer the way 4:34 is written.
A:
5:51
